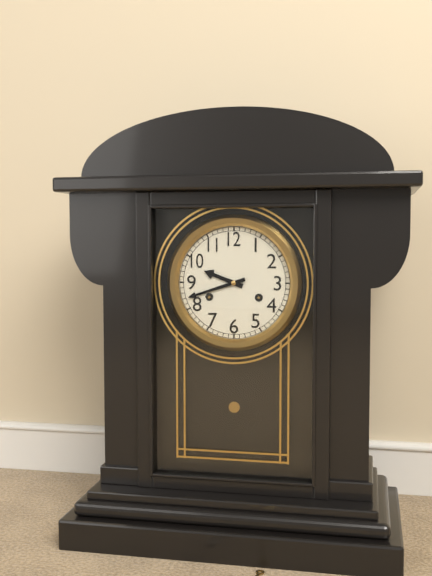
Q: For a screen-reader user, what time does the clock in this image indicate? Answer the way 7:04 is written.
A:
9:42
